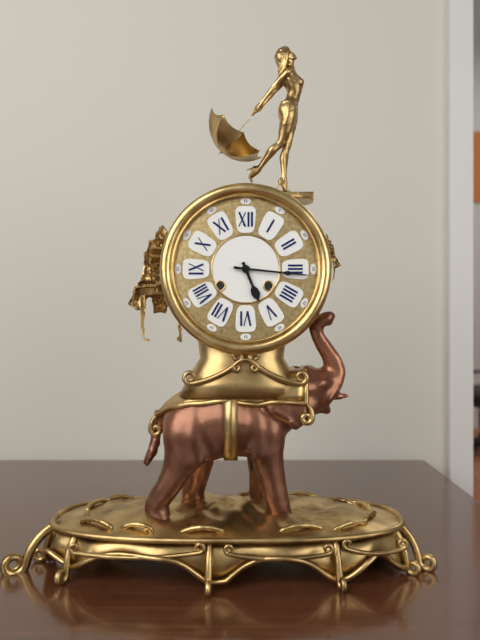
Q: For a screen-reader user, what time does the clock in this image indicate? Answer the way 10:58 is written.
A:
5:16
